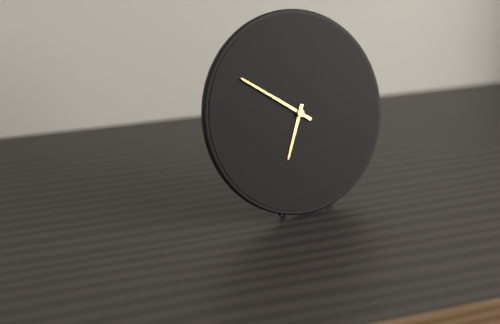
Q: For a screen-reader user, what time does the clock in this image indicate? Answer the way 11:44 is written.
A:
6:51
